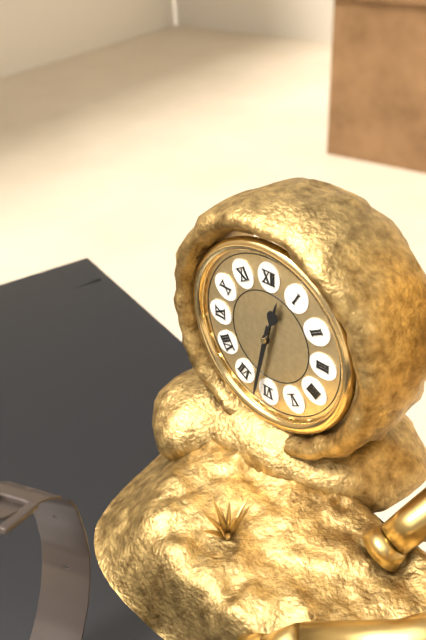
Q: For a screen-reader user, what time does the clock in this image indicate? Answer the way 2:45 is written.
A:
12:32
